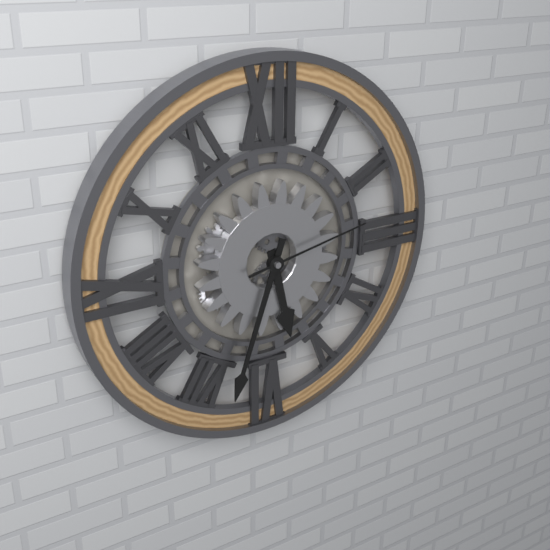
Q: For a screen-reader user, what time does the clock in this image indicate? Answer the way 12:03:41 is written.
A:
5:33:13
